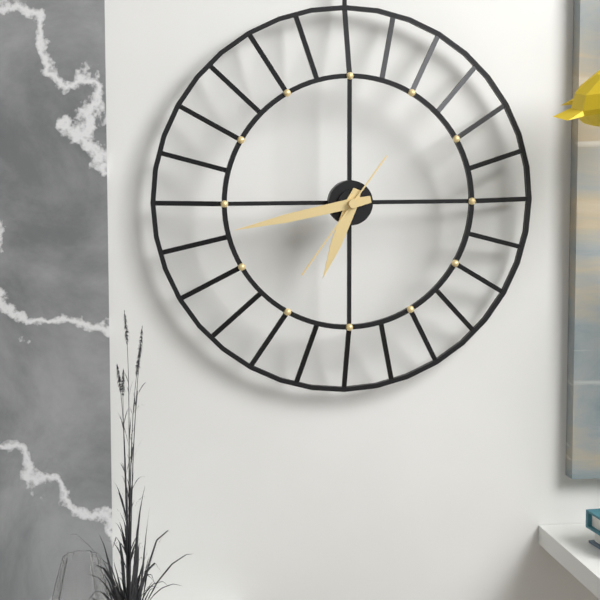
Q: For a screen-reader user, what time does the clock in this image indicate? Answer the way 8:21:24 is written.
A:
6:43:36
